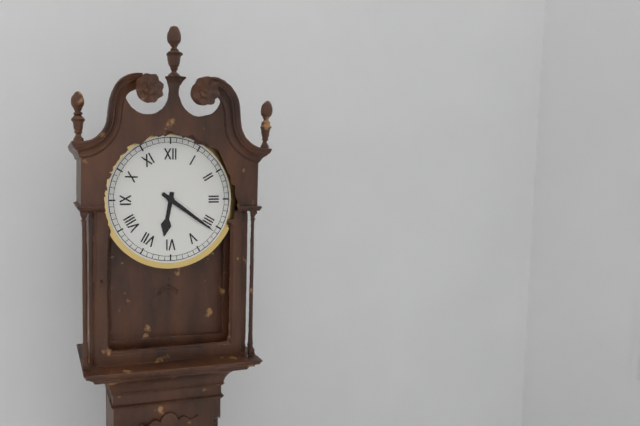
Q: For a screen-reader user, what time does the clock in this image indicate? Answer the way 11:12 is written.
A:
6:21
